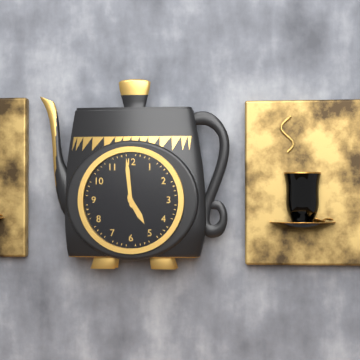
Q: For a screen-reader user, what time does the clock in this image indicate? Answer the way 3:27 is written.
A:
4:59
